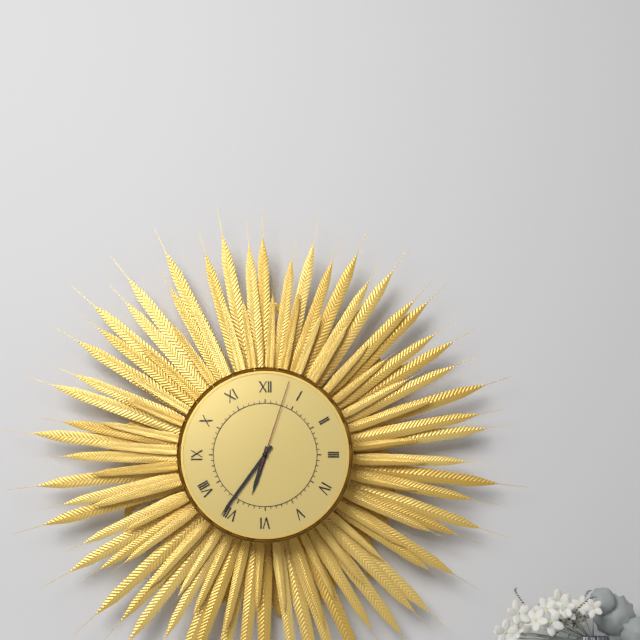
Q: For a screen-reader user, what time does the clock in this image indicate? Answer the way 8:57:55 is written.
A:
6:36:03
